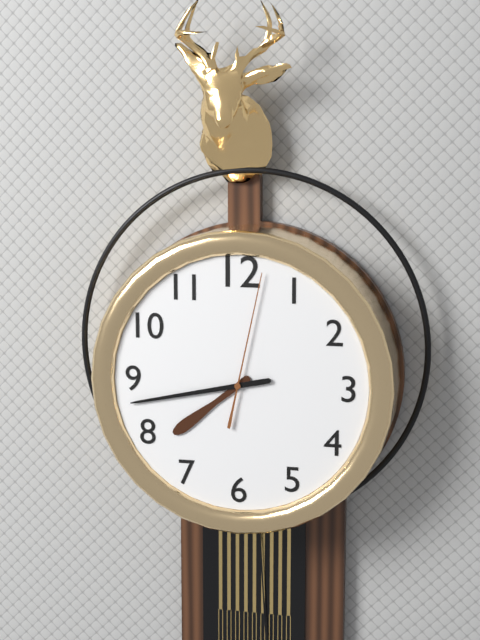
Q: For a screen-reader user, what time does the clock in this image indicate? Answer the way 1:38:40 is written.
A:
7:43:02
